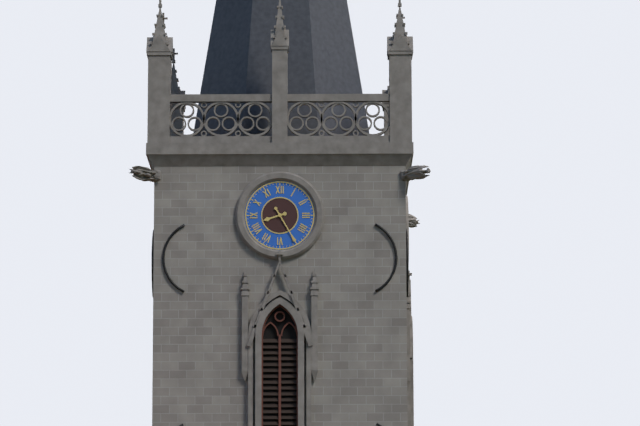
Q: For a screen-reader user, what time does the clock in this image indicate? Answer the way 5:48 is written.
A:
8:25
